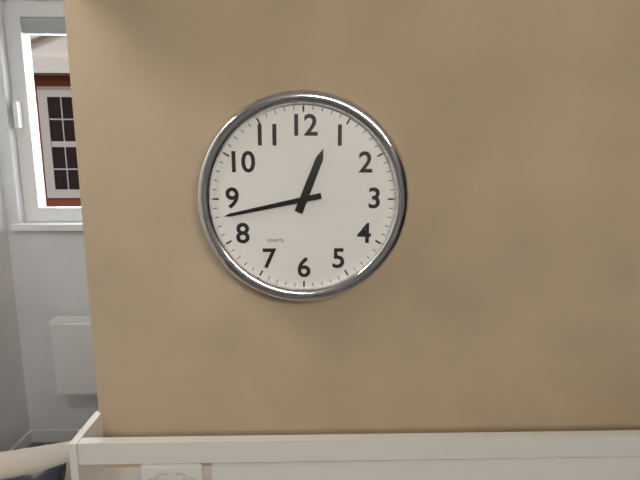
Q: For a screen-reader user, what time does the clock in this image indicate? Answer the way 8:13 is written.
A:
12:43
